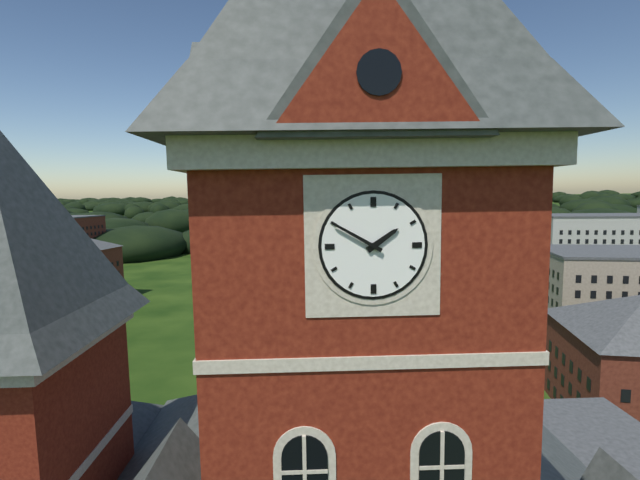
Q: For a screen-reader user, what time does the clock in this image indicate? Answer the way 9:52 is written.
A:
1:50
